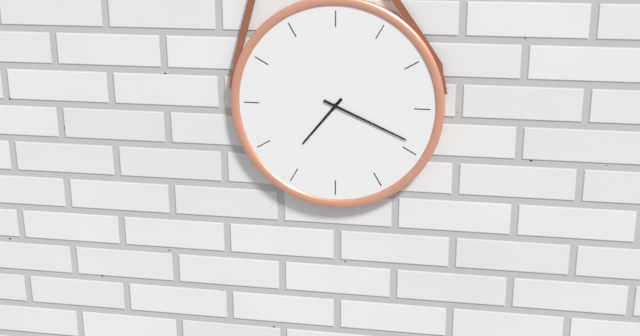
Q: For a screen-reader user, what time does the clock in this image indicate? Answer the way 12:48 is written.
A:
7:19
